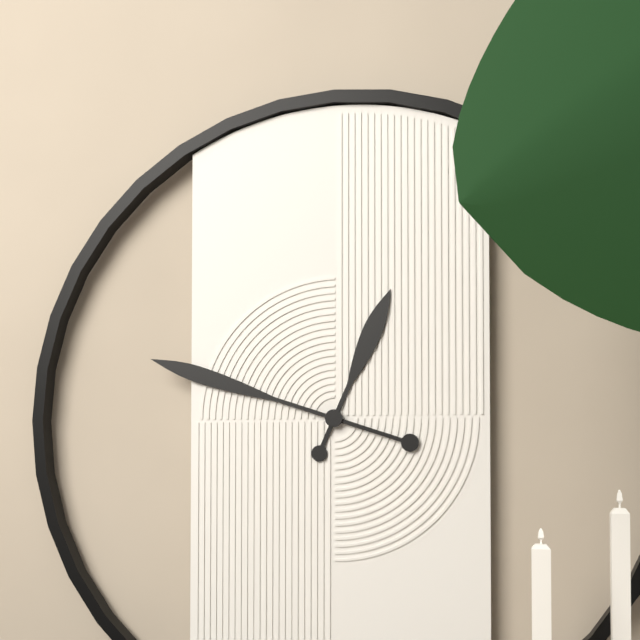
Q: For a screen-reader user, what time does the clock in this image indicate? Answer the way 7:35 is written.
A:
12:48
